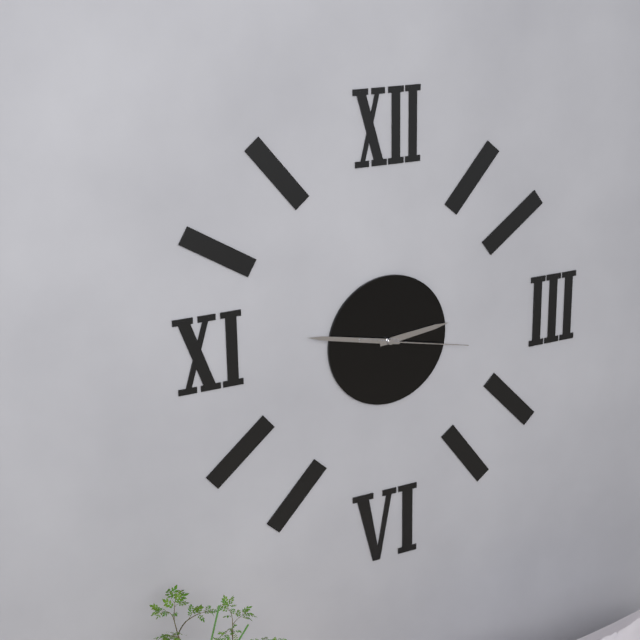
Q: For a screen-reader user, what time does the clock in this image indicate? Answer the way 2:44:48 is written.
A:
2:47:17
